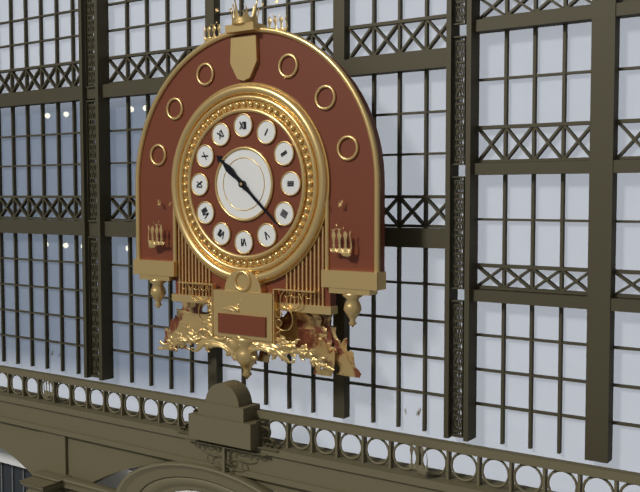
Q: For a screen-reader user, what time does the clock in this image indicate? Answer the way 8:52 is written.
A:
10:22
